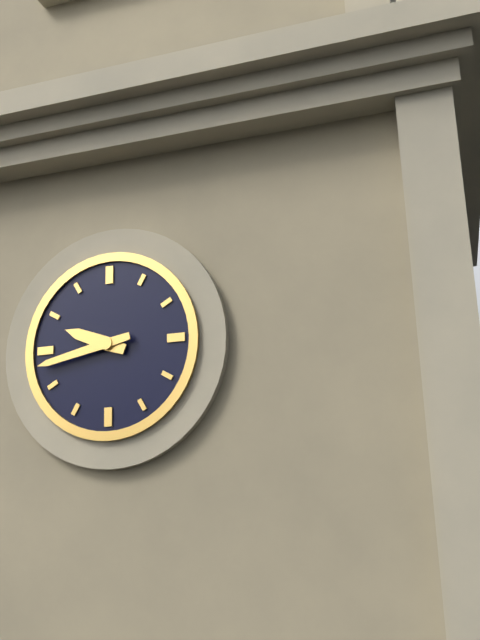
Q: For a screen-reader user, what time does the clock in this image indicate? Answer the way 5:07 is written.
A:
9:43
